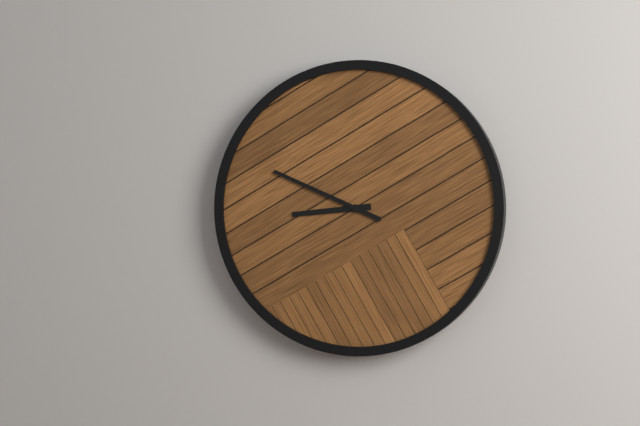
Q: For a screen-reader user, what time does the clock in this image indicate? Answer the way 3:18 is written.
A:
8:49
